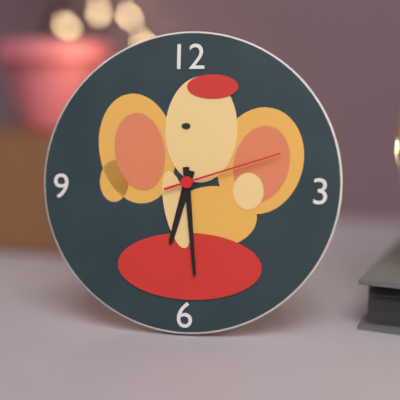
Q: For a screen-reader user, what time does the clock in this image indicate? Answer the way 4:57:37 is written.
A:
6:29:12
